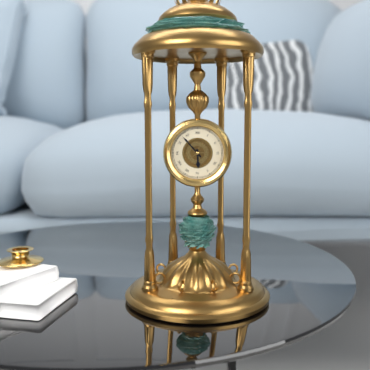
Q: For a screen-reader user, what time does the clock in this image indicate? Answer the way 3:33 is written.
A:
5:53
